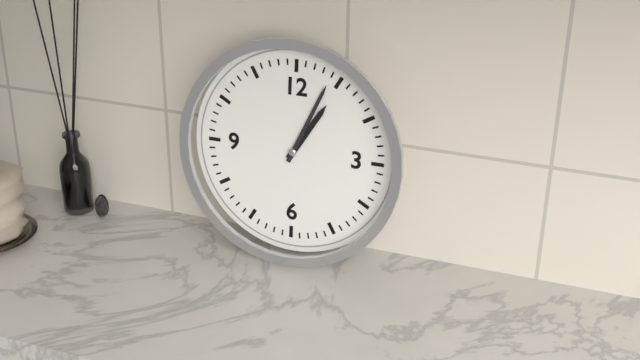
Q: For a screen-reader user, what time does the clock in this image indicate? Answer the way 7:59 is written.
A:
1:04
